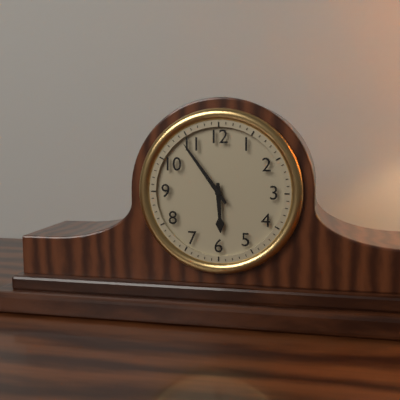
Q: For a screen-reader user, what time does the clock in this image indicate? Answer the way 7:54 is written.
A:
5:54
